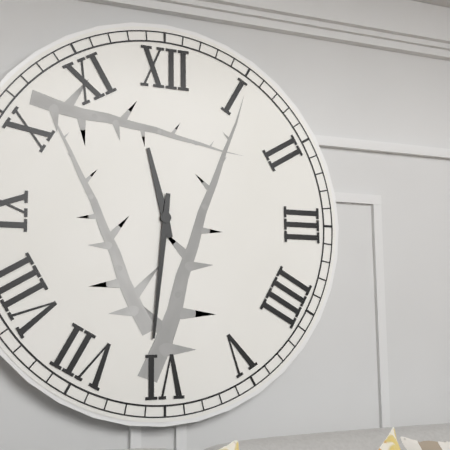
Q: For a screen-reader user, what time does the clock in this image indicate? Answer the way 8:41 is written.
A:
11:31
